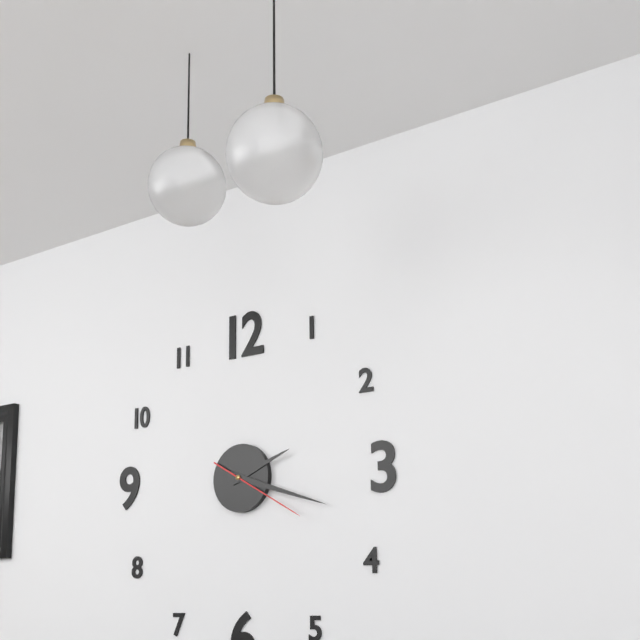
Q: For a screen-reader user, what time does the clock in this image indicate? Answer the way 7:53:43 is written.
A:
2:18:20
